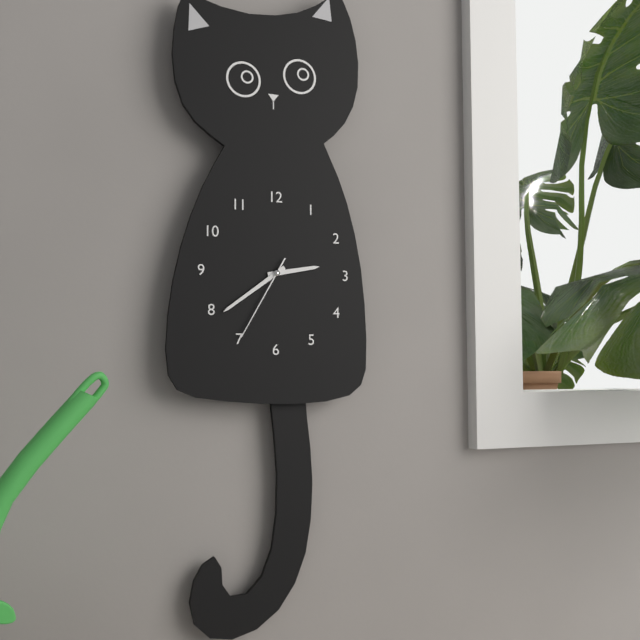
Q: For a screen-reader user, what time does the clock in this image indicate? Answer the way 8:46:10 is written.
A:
2:39:35
